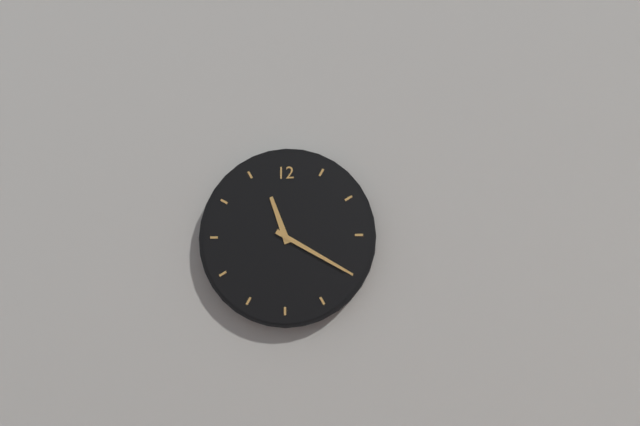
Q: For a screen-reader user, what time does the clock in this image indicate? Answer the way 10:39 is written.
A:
11:20
